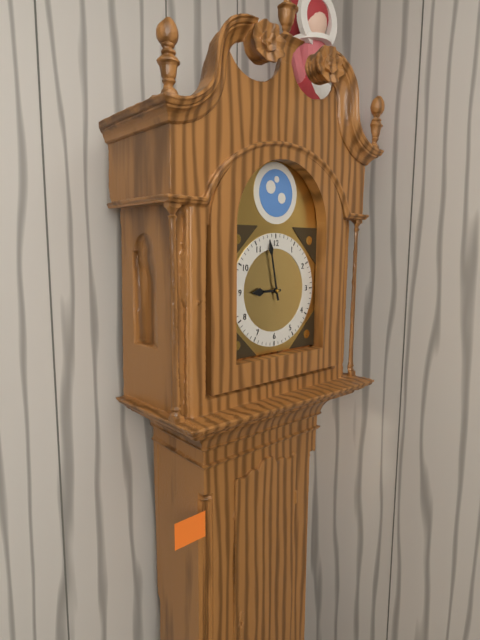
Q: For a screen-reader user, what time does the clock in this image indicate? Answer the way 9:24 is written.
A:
8:58
